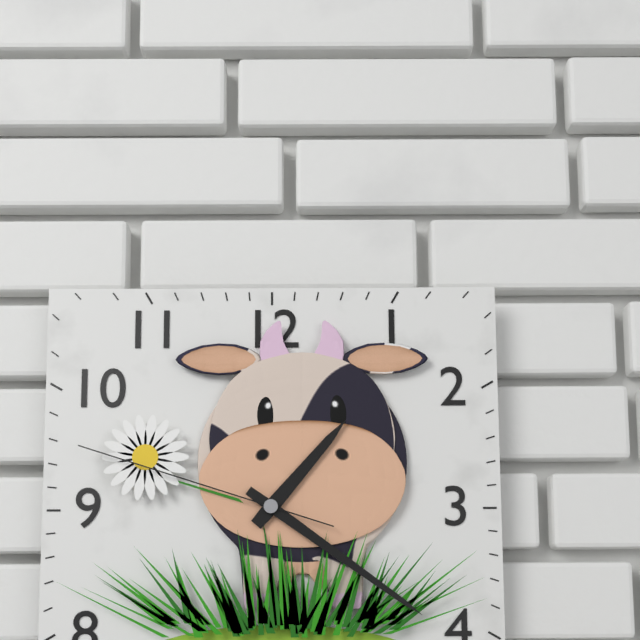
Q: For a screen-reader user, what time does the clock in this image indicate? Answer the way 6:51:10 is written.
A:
1:21:48
